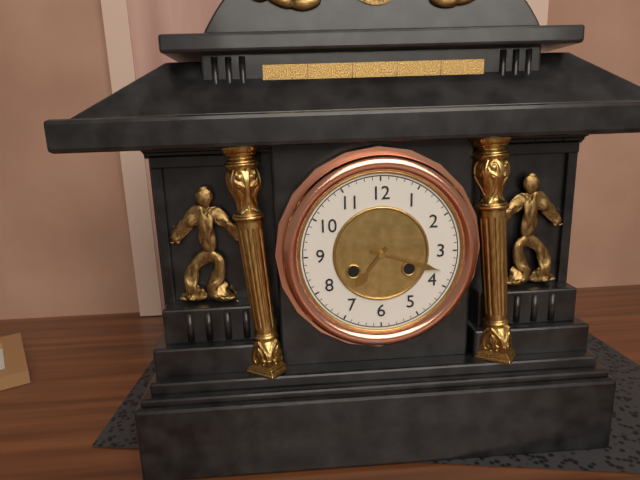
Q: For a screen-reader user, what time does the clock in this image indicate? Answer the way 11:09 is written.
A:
7:18
